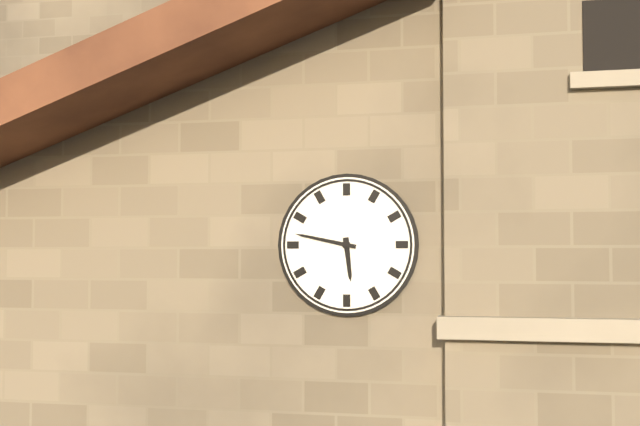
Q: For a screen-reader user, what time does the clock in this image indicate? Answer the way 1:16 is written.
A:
5:47
